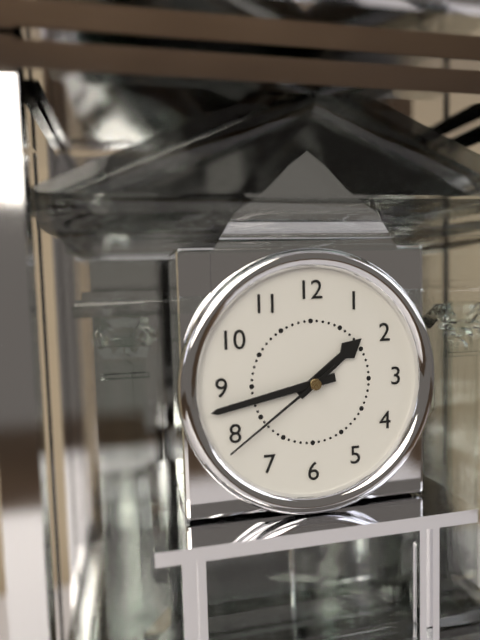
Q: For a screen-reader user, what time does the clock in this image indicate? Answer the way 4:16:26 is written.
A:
1:43:39
